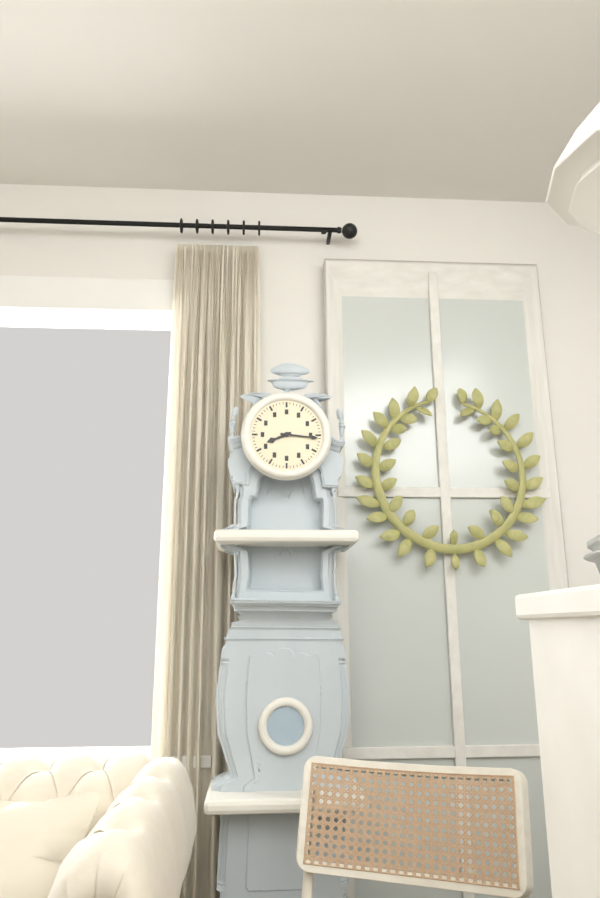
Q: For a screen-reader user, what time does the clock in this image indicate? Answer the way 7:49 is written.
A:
8:16
